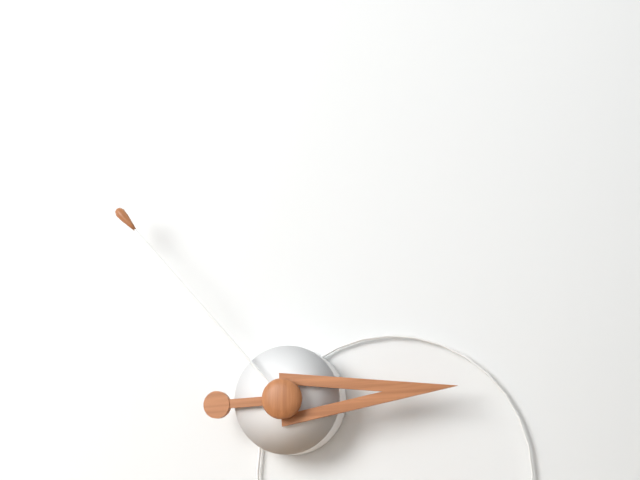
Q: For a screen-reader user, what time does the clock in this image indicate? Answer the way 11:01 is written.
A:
2:53
